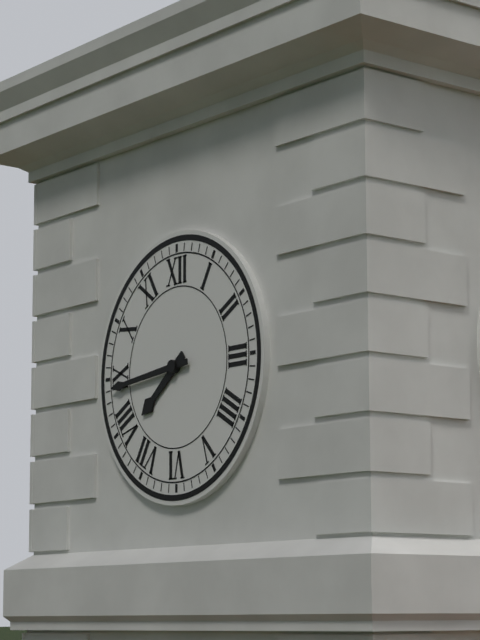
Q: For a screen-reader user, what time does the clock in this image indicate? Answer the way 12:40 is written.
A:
7:44
